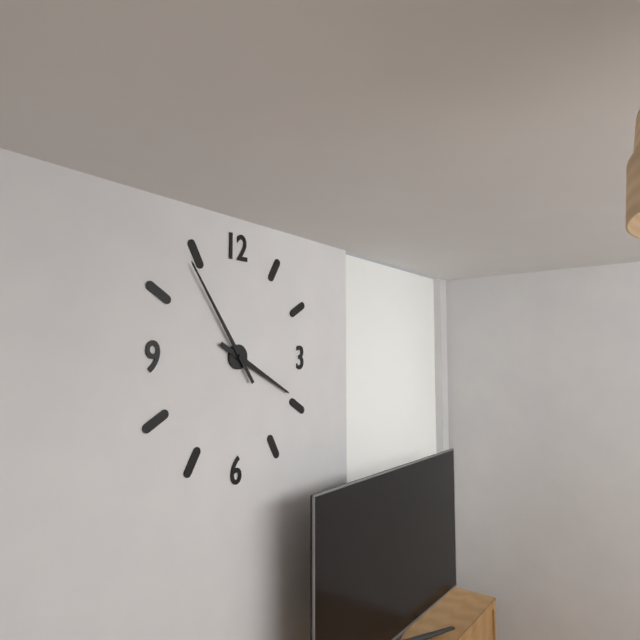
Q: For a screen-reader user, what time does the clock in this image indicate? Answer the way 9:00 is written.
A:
3:54
